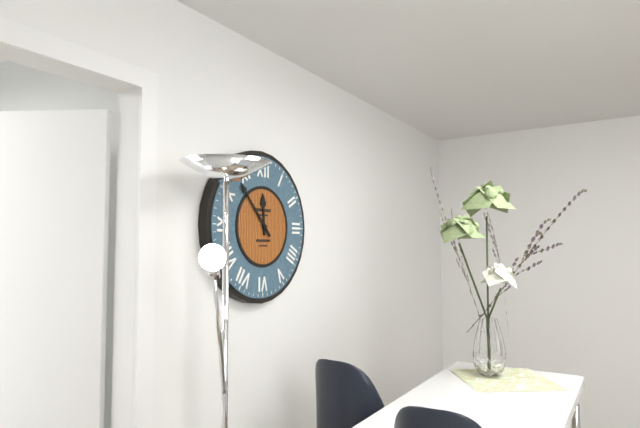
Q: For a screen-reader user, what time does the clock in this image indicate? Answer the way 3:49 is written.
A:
11:53
